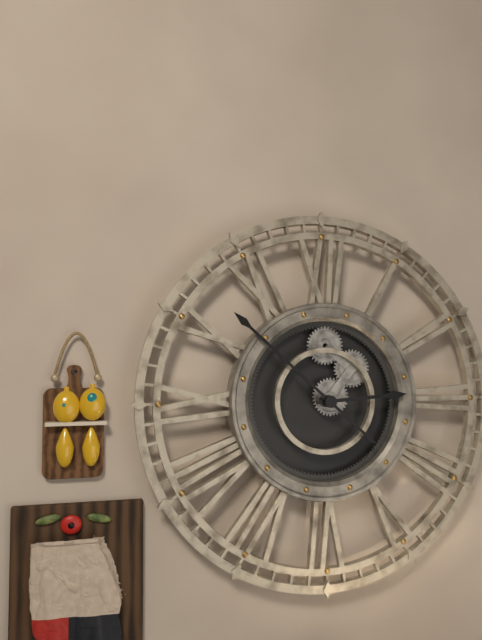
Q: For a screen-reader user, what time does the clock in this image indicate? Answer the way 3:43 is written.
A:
2:52
